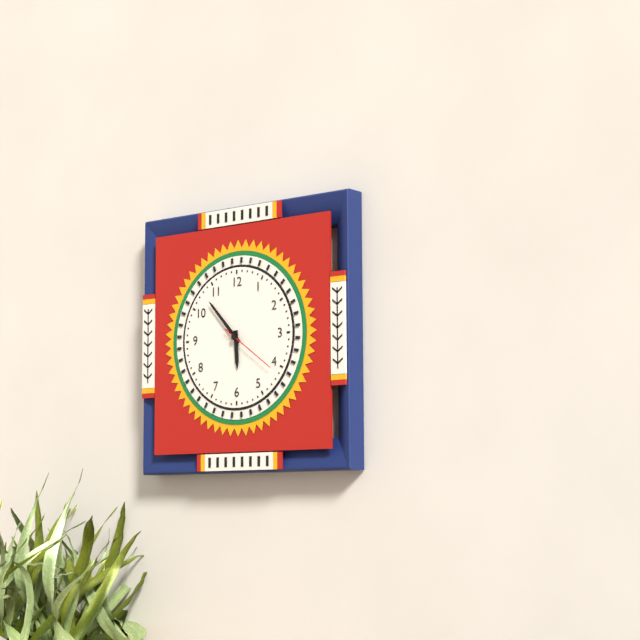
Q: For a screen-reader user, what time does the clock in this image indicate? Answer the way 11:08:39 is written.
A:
5:53:21
